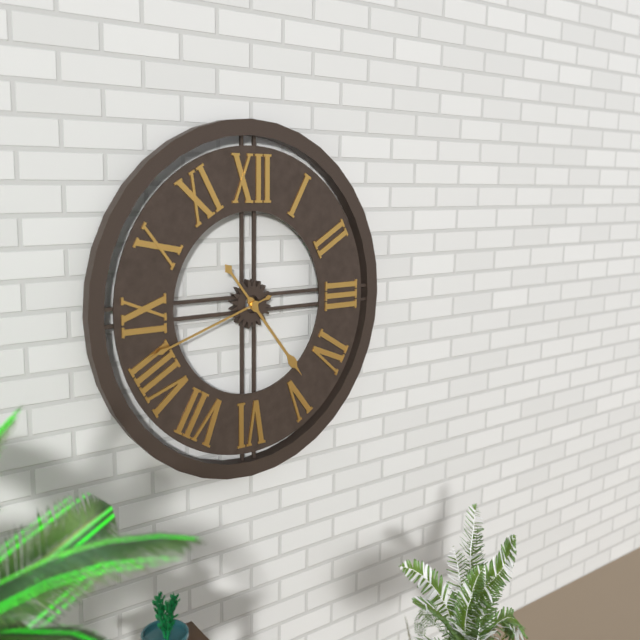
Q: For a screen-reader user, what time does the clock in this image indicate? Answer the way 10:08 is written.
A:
4:42
